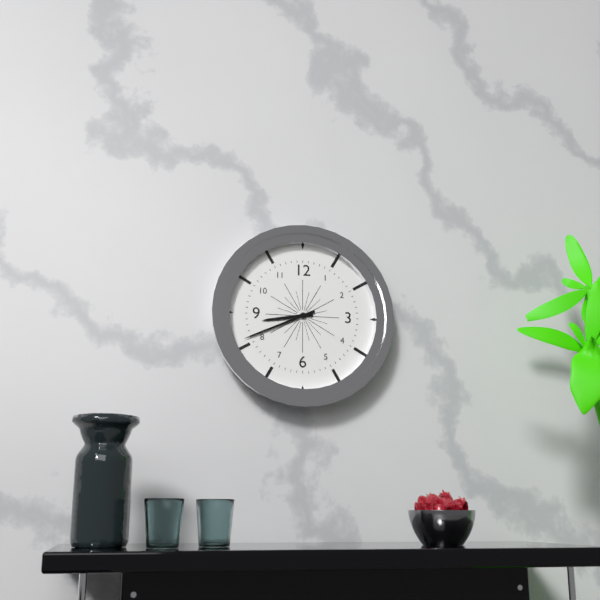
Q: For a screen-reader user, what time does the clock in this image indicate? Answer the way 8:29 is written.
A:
8:41
